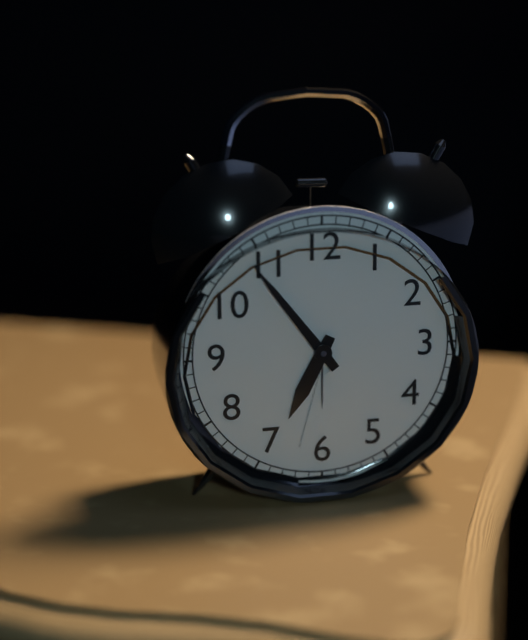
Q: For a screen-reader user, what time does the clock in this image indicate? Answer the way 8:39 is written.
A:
6:54
